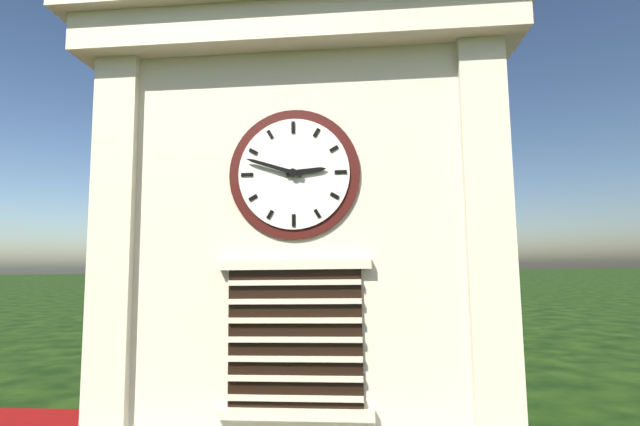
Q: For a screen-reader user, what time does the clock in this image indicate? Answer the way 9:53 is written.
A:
2:48
